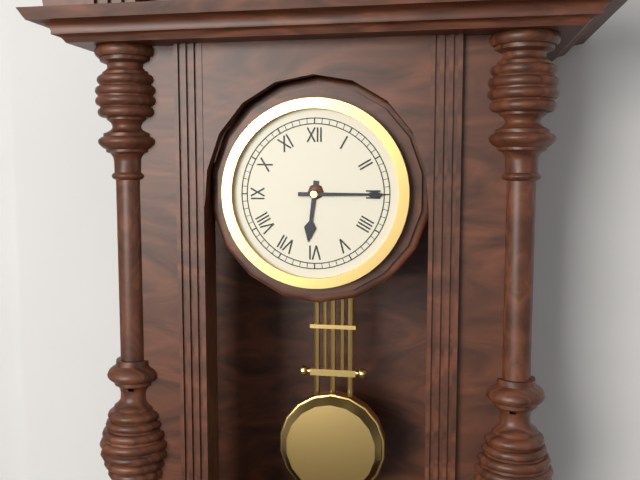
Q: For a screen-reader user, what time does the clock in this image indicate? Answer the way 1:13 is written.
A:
6:15
